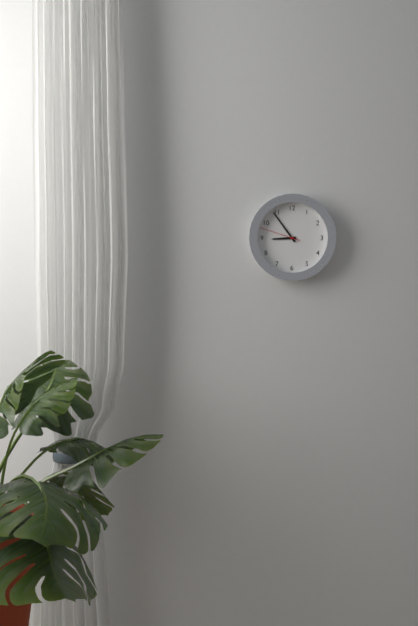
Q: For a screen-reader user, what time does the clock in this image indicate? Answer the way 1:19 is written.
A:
8:54
